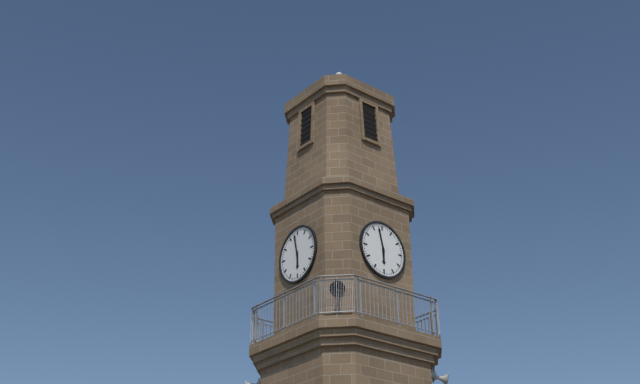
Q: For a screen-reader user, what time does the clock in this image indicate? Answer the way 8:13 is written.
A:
5:58
